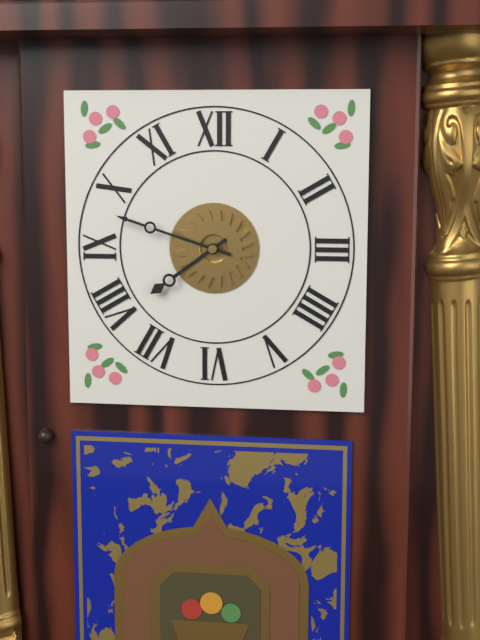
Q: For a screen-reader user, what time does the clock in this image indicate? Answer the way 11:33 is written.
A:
7:48
